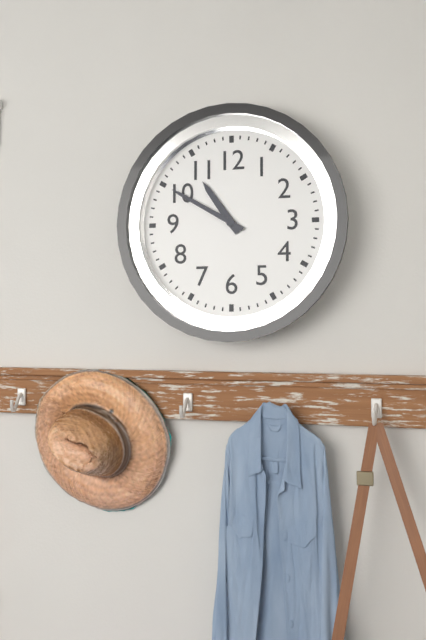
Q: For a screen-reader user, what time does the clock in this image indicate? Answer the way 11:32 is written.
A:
10:50
